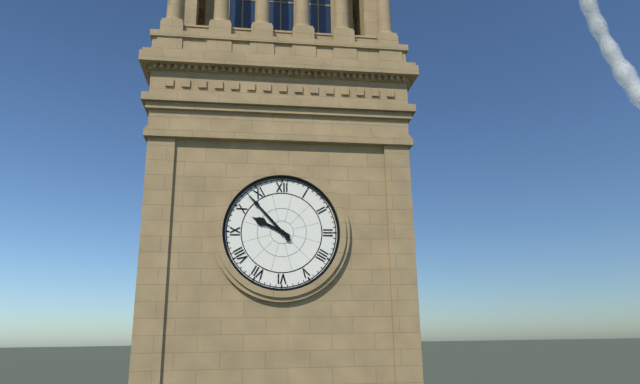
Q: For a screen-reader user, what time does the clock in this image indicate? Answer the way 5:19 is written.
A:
9:53
